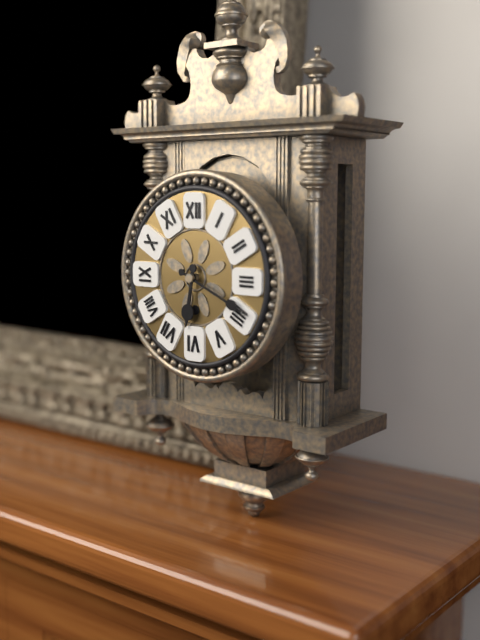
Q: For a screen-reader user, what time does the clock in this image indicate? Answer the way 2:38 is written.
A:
6:19
